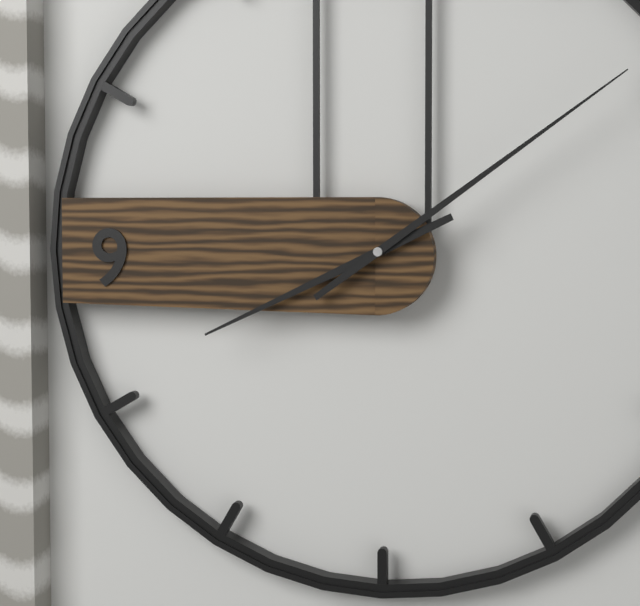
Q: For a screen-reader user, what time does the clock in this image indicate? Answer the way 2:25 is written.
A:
8:09
